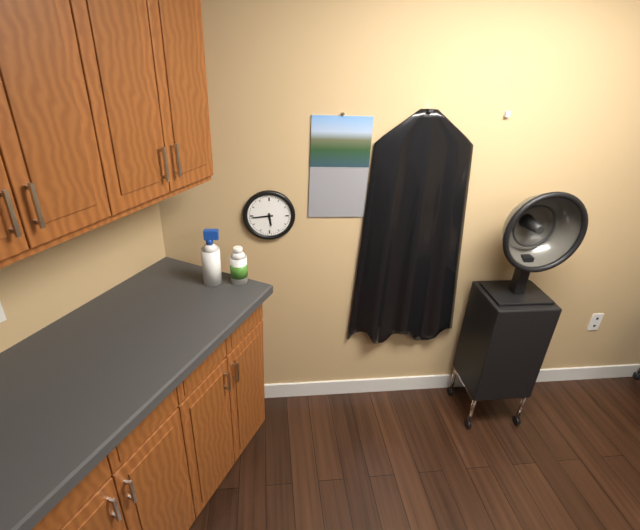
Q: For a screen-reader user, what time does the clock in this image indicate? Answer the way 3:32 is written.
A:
5:44
